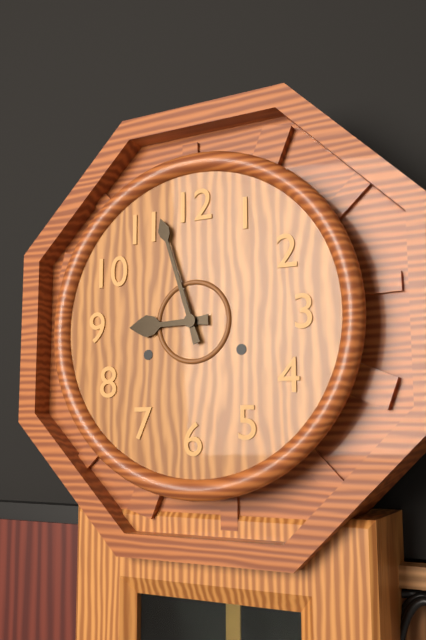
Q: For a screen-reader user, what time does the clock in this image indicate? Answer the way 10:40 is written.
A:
8:57
